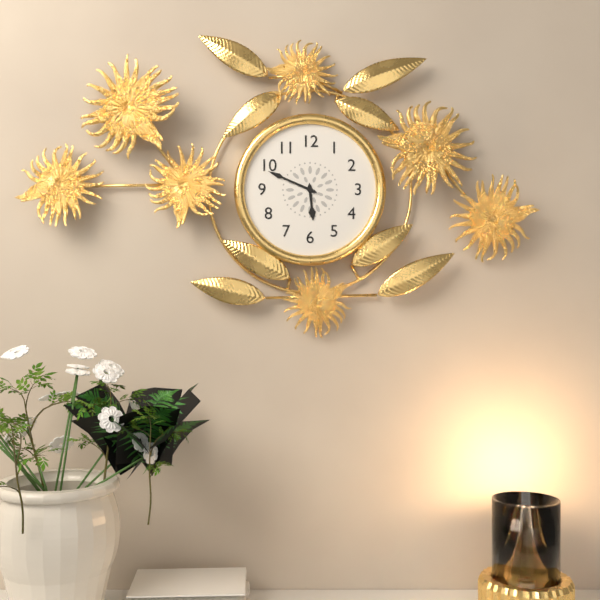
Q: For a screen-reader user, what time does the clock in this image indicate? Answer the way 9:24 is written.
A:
5:49
